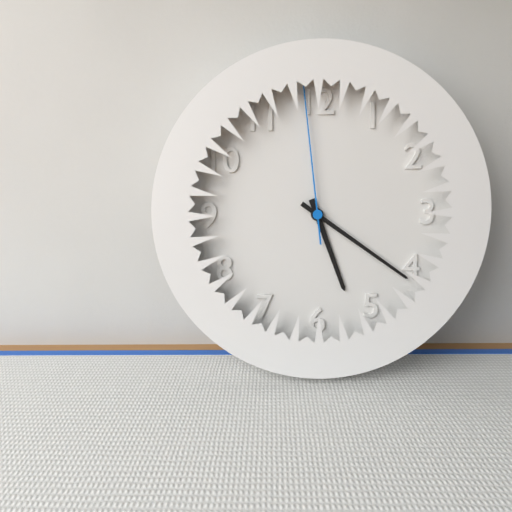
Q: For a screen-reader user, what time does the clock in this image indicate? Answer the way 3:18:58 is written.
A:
5:21:59
